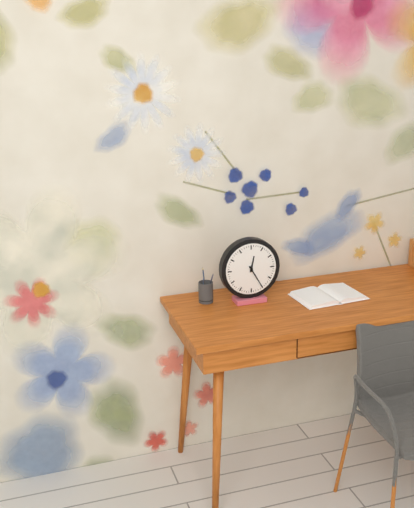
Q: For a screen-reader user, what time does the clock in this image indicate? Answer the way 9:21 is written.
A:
12:25
